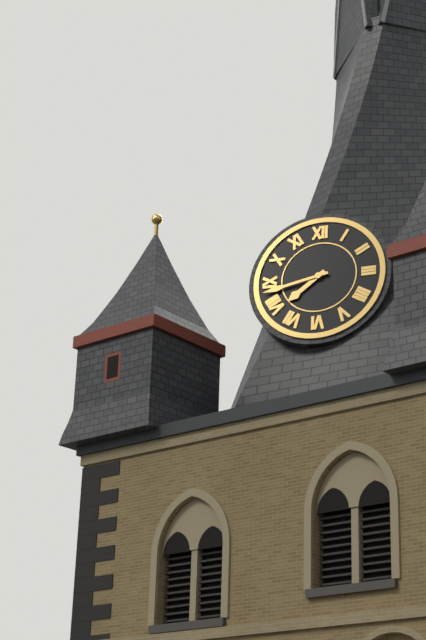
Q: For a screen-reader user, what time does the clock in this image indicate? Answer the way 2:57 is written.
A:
7:43
